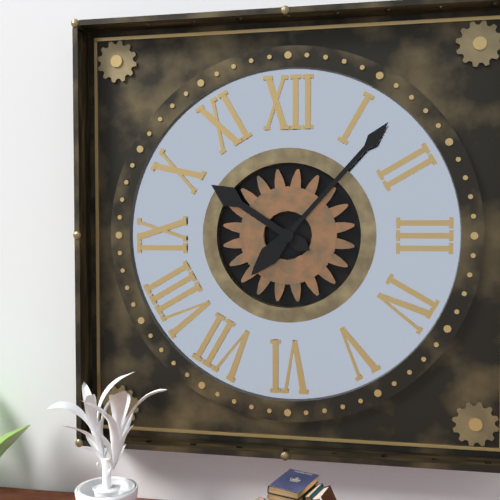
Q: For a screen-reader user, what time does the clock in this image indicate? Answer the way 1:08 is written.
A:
10:07
